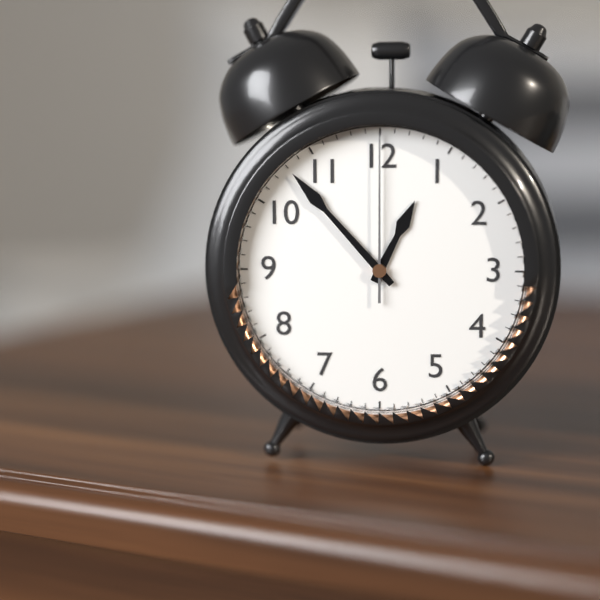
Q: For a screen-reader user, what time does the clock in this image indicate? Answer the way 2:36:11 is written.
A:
12:53:00
